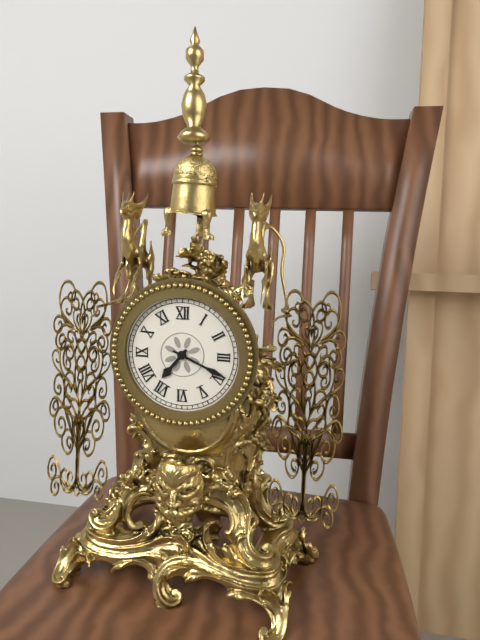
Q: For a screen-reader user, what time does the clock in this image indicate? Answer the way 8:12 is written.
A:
7:19
